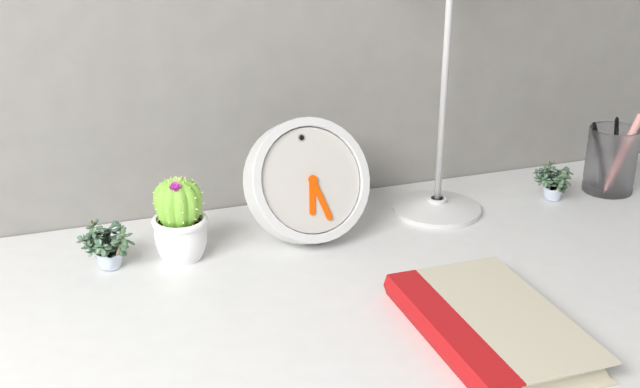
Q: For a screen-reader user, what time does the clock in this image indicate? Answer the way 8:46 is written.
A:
6:28
